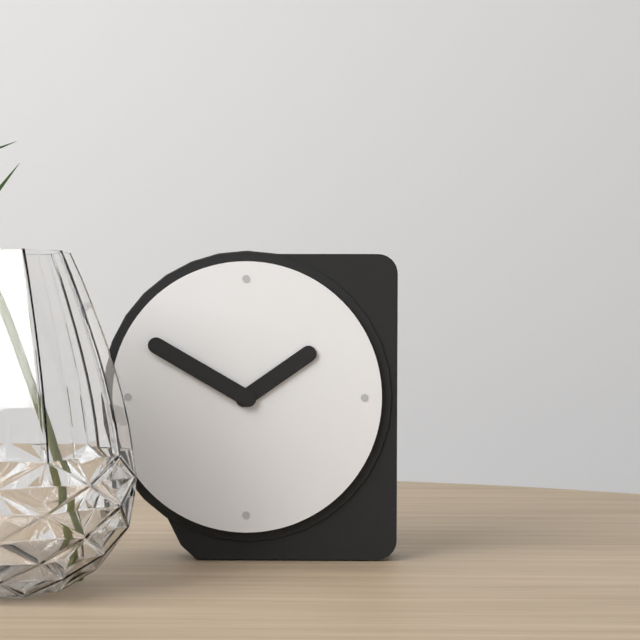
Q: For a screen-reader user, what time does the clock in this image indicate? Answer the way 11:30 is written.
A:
1:50
